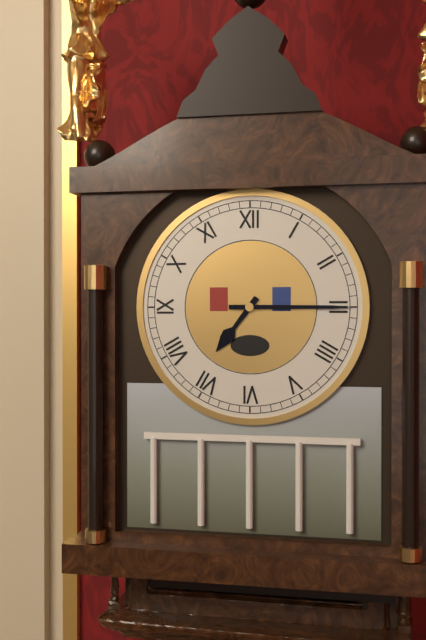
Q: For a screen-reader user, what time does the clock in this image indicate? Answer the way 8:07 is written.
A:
7:15
